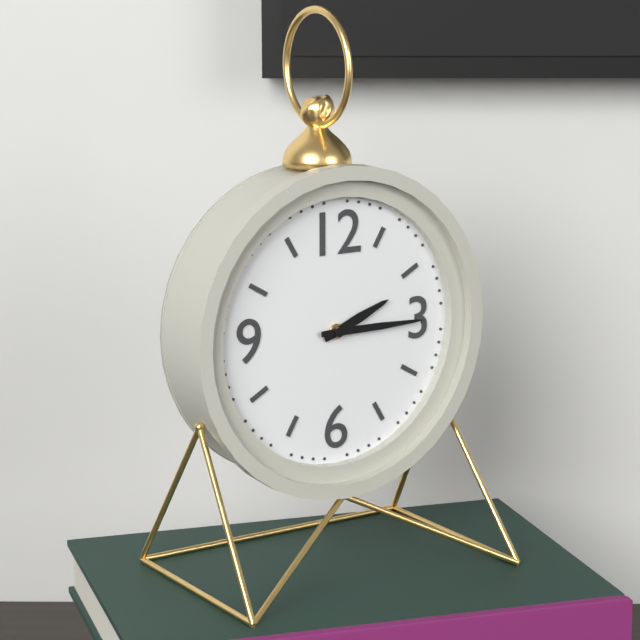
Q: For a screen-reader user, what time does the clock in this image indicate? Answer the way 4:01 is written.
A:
2:15
